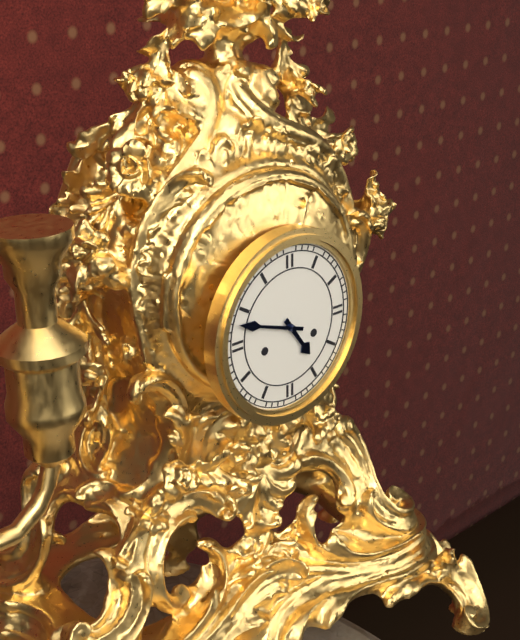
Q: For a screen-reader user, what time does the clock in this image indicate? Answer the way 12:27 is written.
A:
4:48
